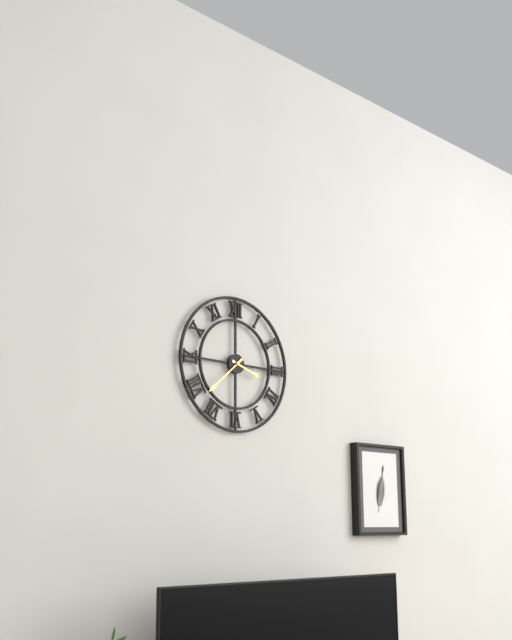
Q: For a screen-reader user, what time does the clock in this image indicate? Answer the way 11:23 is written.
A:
3:38
